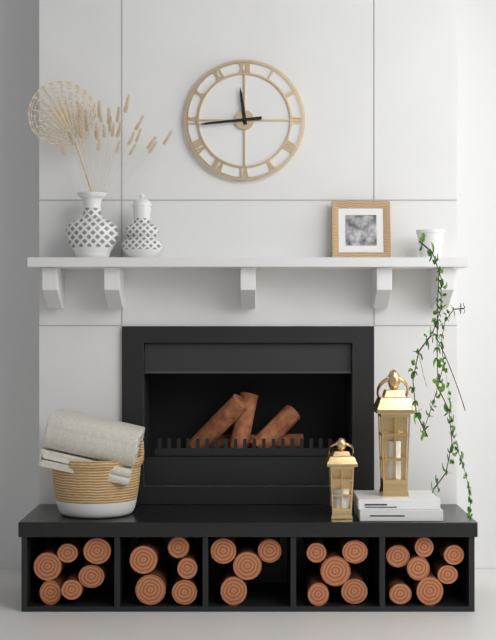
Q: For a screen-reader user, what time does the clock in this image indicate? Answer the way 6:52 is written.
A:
11:44
